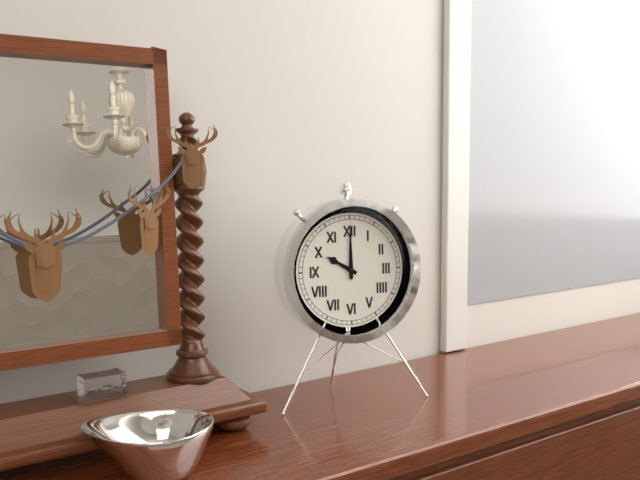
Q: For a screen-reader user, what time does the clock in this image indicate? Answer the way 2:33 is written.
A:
10:00
